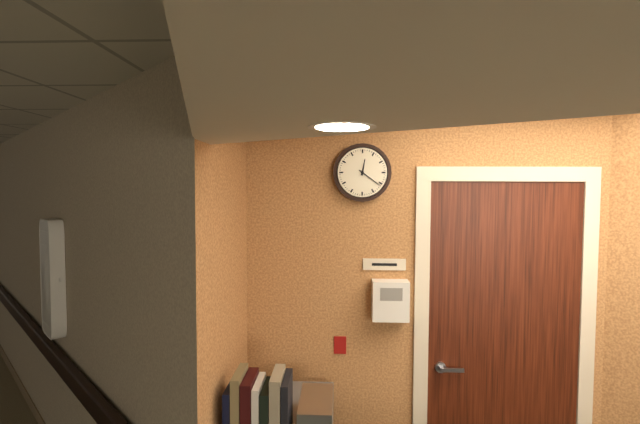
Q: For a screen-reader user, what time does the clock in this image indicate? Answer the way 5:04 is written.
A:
12:21
